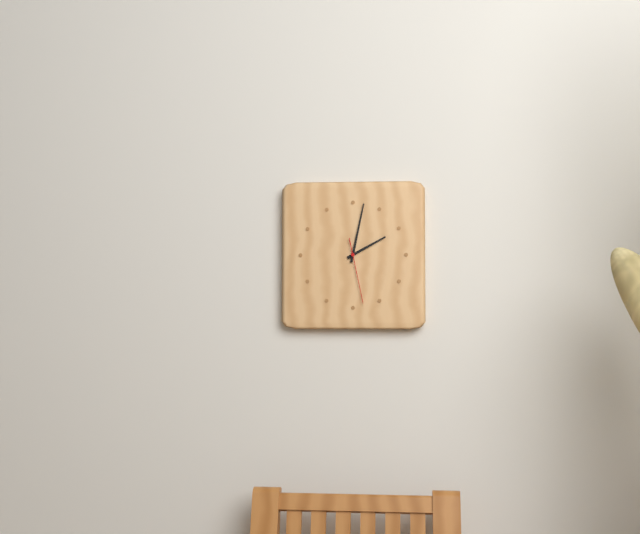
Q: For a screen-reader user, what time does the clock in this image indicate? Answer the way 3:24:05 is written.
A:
2:02:28
